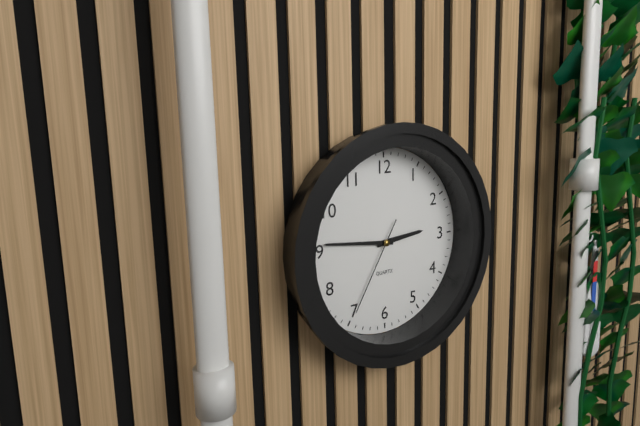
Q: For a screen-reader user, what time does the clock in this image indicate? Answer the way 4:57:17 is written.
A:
2:46:35
